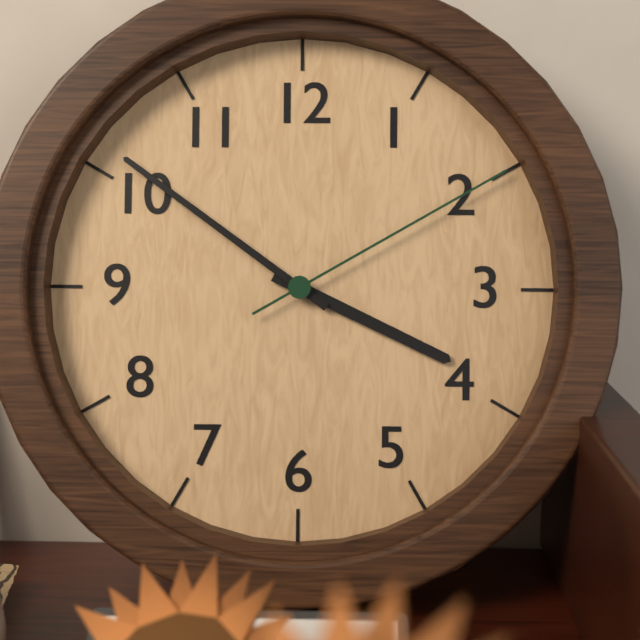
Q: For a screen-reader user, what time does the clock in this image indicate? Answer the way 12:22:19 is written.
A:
3:51:10
